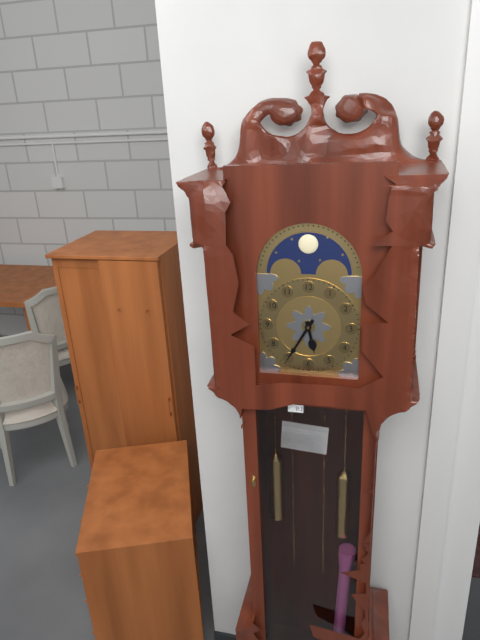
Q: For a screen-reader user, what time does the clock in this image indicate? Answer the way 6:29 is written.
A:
5:35
